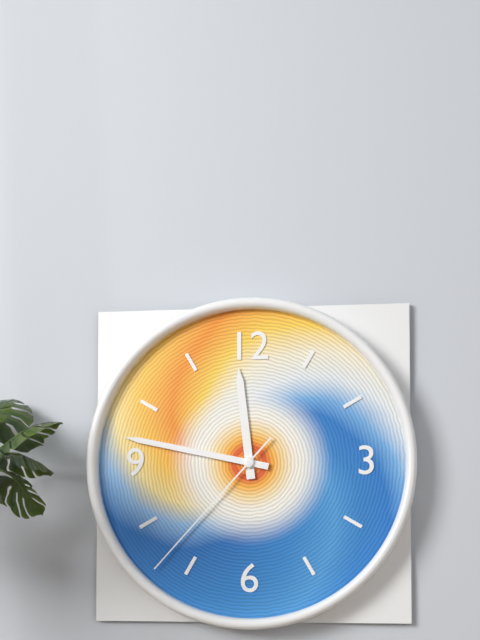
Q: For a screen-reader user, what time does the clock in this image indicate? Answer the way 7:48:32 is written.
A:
11:47:37
